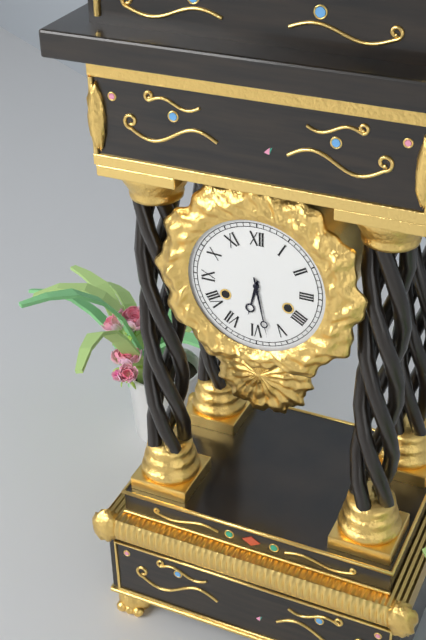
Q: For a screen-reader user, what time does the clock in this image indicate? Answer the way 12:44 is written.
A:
6:28
